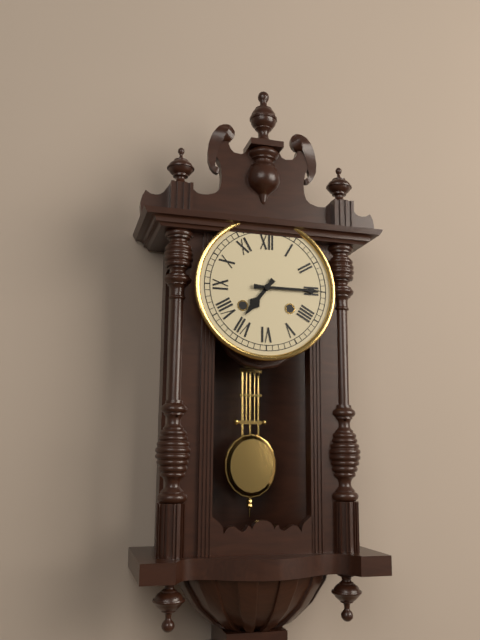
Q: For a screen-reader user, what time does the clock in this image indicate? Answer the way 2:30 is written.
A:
7:15
